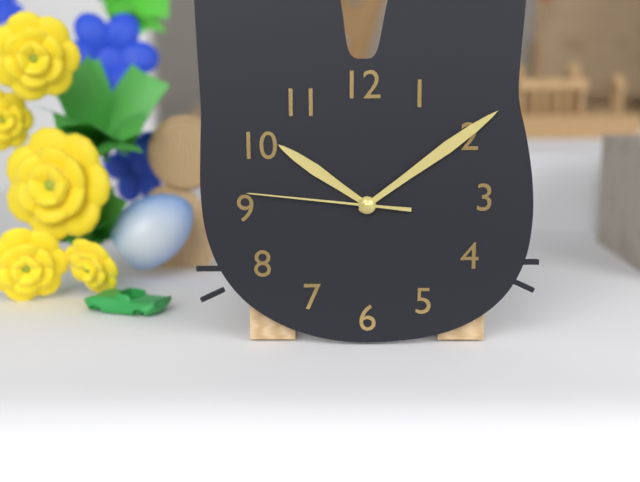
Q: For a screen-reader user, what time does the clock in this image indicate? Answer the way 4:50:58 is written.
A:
10:09:46
